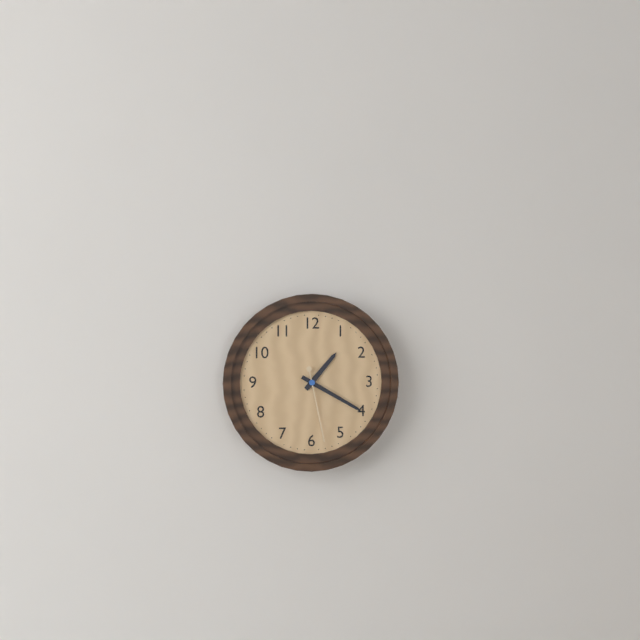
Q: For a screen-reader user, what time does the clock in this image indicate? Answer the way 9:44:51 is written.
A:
1:20:28
